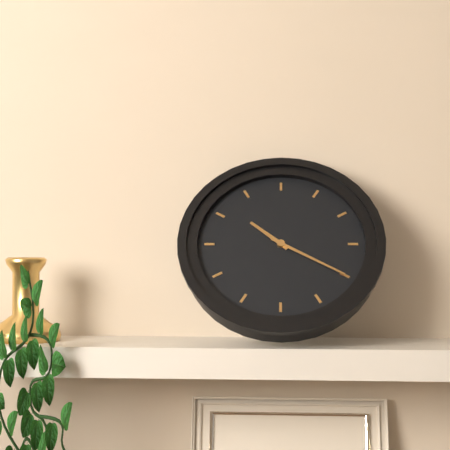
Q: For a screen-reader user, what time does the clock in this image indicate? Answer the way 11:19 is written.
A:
10:20
